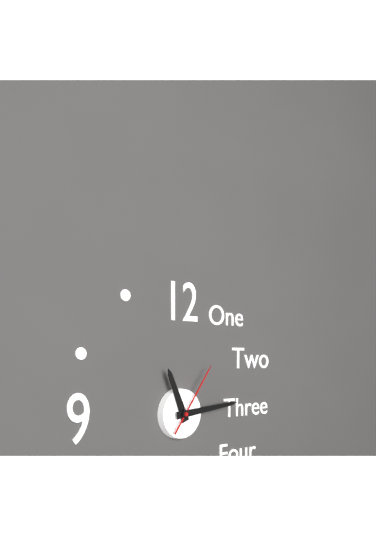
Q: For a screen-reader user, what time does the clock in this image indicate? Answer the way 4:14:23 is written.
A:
11:14:06
